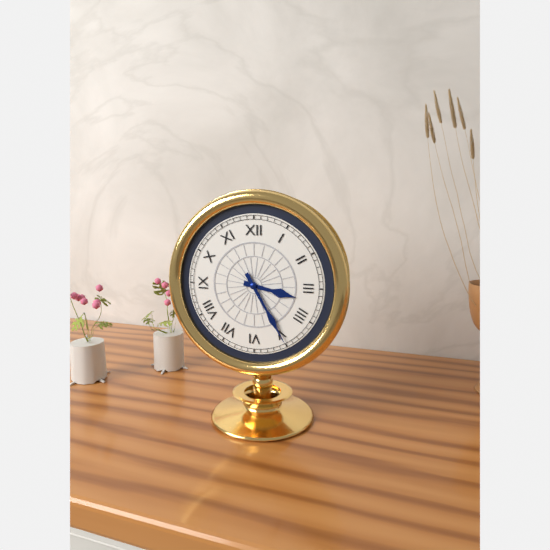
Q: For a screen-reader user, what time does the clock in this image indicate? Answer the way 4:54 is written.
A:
3:25
